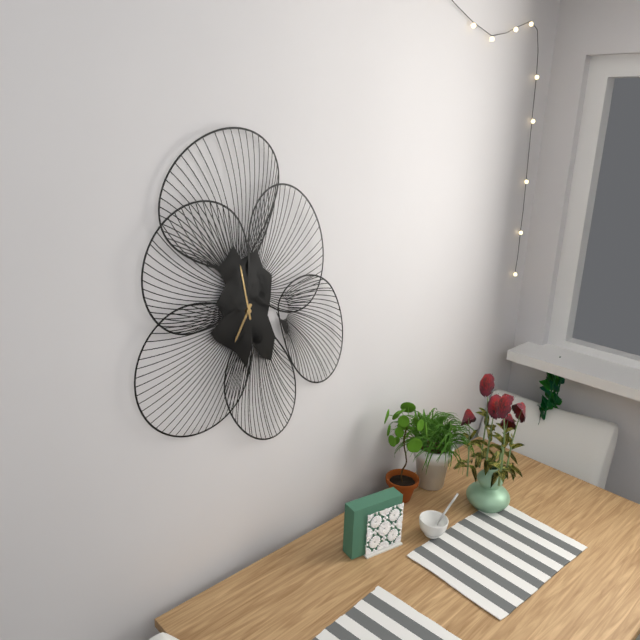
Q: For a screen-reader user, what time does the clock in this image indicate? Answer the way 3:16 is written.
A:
6:58
